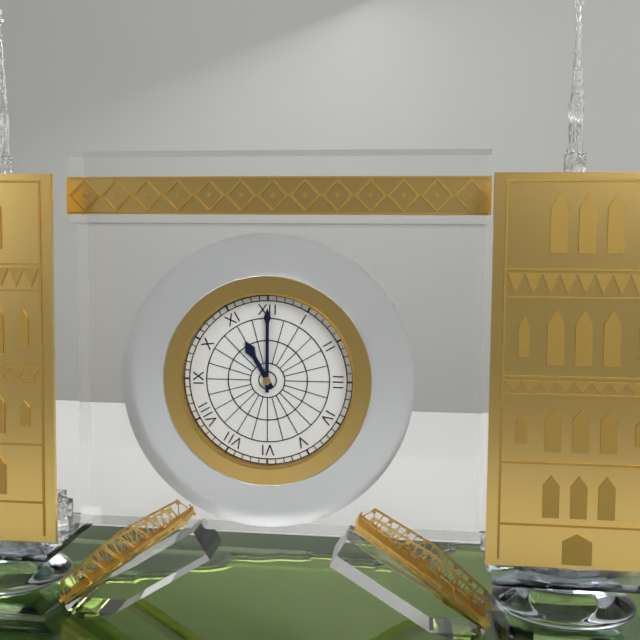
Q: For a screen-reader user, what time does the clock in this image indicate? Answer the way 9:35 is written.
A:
11:00
